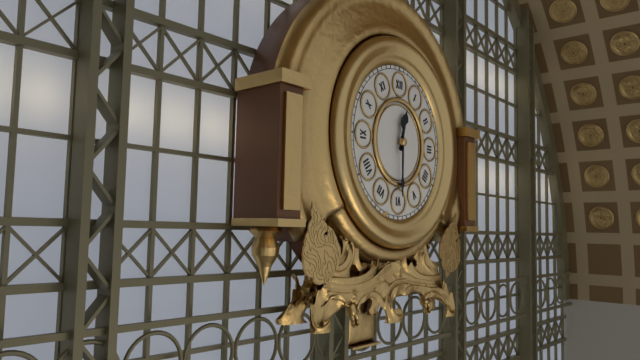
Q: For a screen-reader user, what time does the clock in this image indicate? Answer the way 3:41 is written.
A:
12:30
